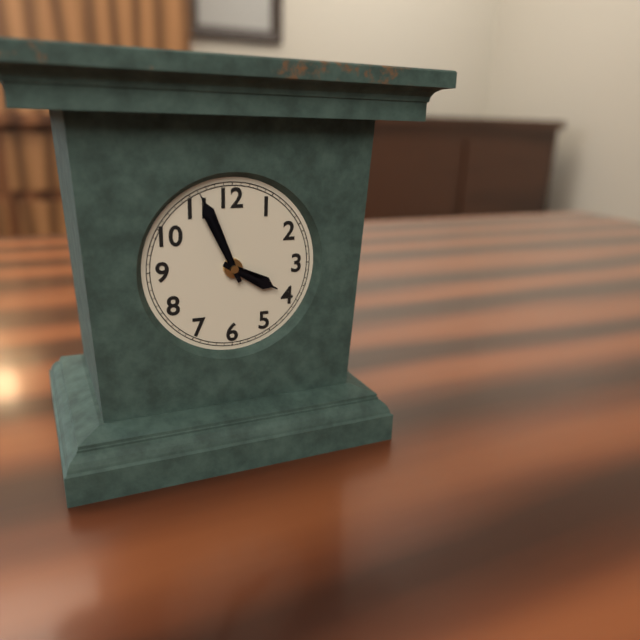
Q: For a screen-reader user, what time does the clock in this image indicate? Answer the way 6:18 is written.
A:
3:56
